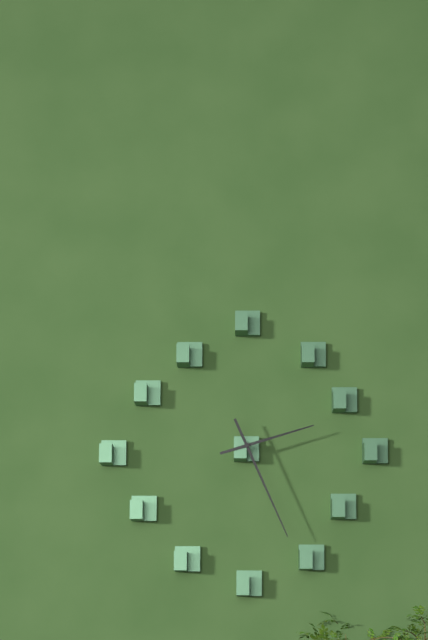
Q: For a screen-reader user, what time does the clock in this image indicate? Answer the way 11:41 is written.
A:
2:26
